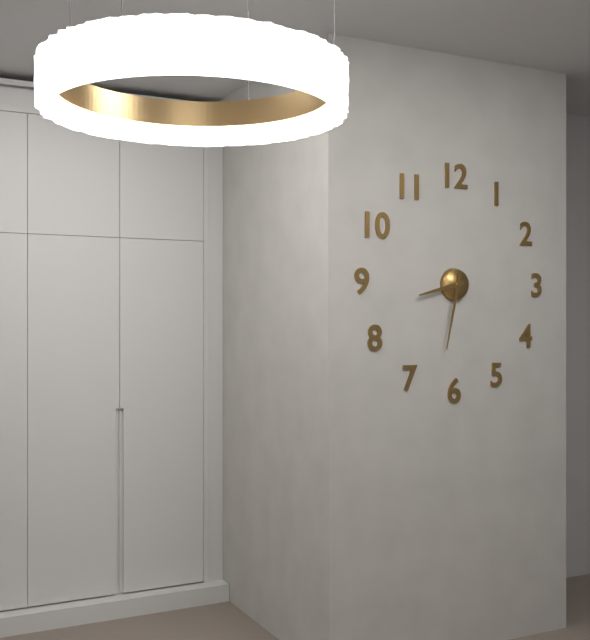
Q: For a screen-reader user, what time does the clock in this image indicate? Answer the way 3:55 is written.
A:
8:32
